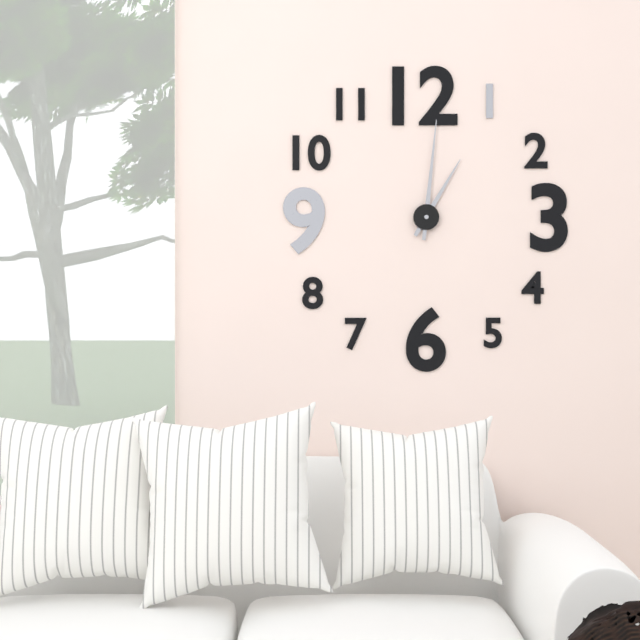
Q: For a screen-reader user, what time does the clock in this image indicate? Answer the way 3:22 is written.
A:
1:01
